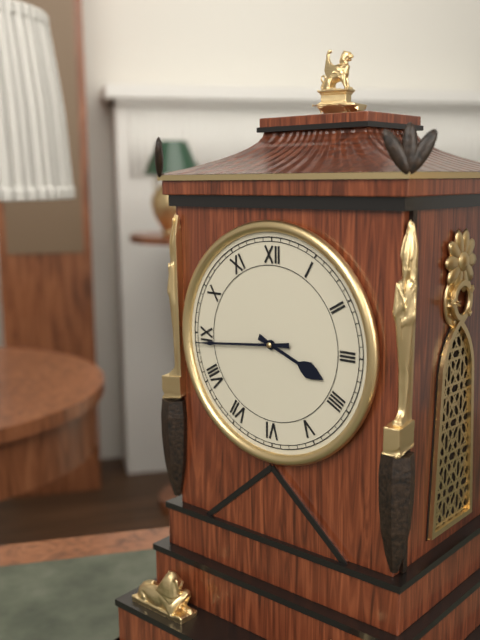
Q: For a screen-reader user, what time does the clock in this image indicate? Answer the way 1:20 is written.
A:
3:44
